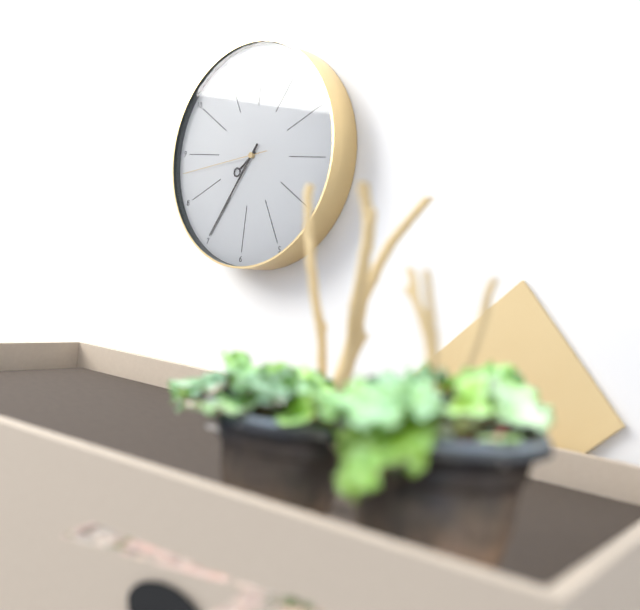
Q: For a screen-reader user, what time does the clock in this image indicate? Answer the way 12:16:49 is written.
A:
7:35:43
